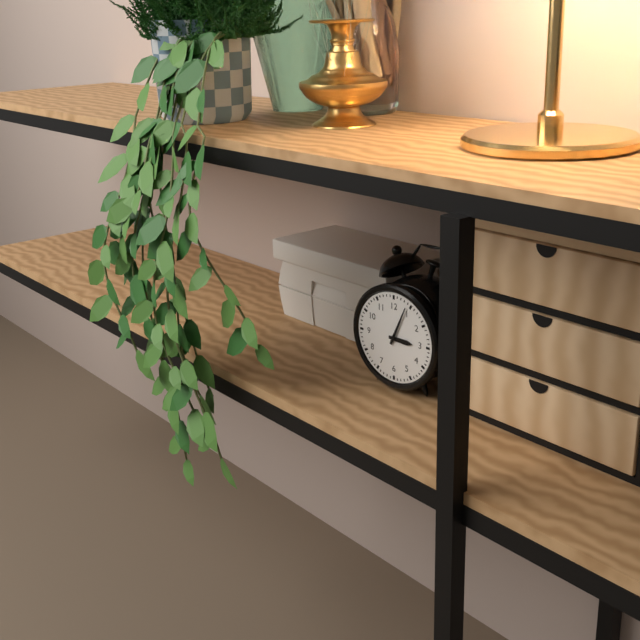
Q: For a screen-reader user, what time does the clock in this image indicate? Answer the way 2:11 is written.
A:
3:04
